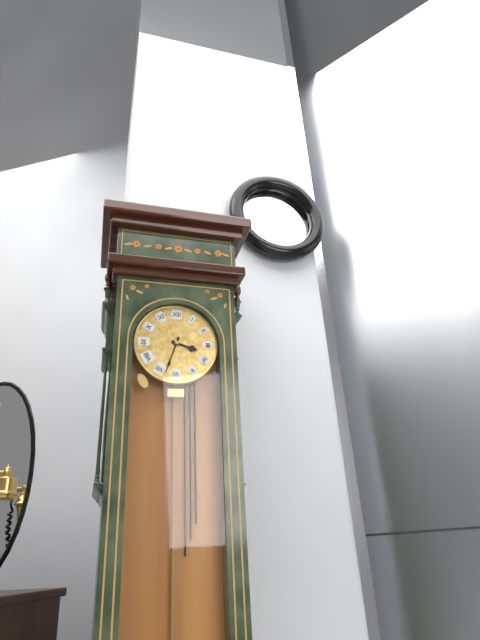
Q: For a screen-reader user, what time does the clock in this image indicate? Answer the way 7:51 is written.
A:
3:33
